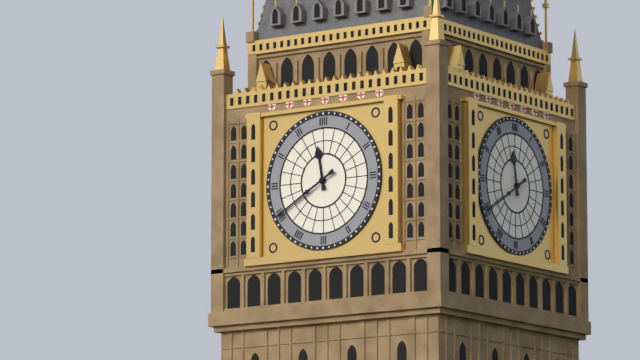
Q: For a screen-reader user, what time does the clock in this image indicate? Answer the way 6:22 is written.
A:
11:40
